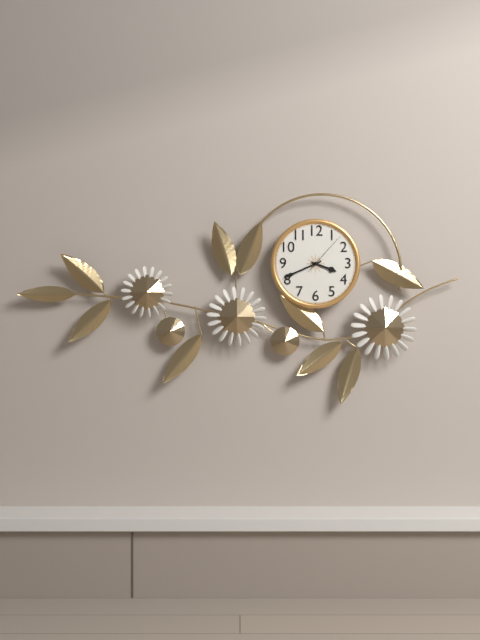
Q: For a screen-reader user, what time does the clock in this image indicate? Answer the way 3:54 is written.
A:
3:41
